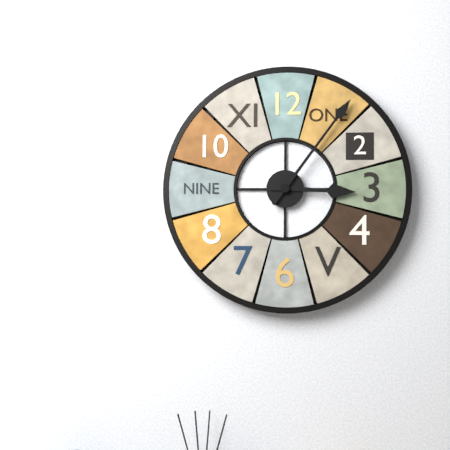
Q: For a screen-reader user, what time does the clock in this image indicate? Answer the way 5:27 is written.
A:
3:06
